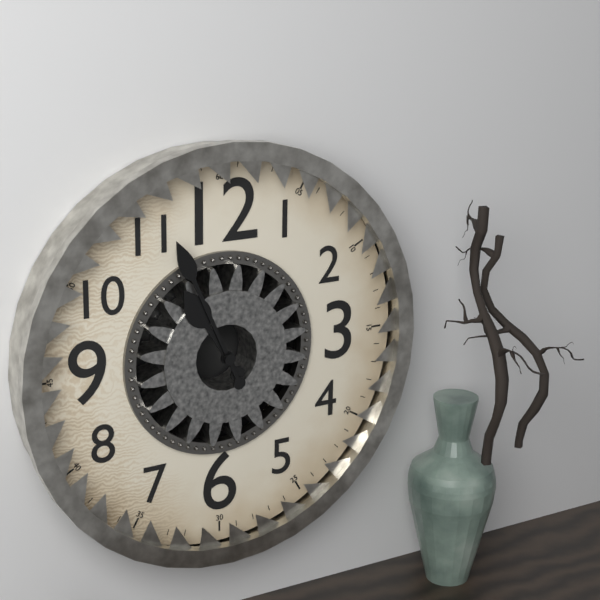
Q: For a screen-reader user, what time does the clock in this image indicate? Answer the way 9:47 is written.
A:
10:56
